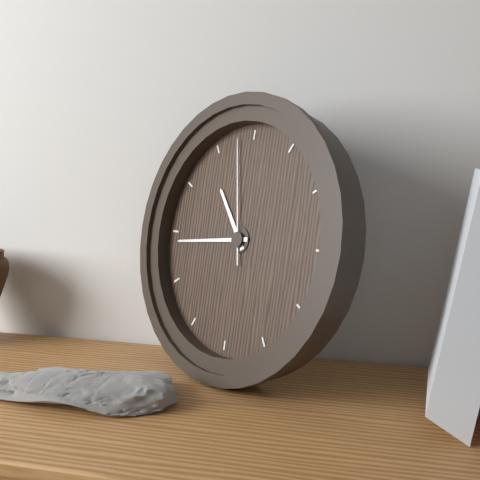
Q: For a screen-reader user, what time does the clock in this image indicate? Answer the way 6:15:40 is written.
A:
10:44:58
